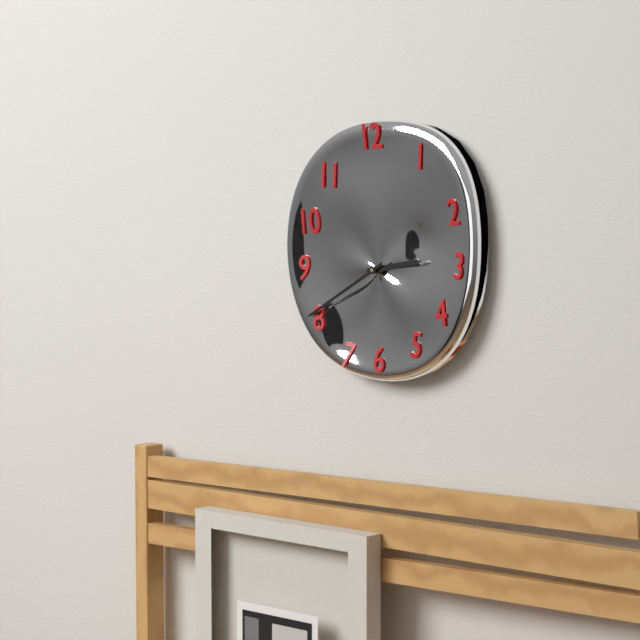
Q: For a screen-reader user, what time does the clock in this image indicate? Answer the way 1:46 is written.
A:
2:40
